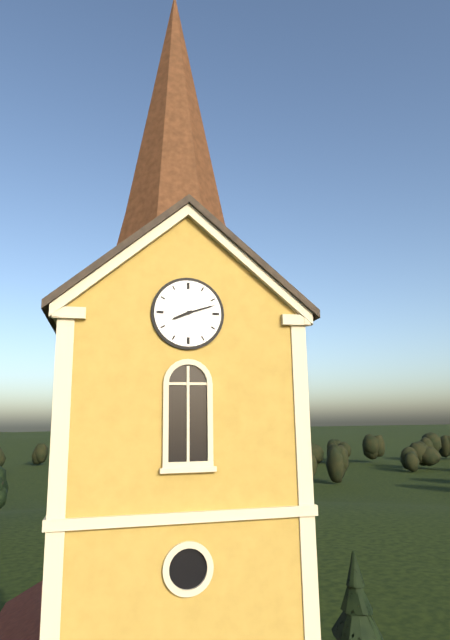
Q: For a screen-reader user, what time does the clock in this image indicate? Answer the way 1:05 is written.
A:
8:12
